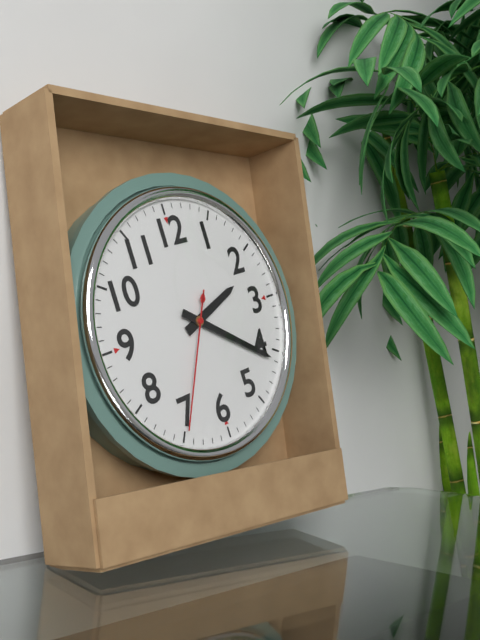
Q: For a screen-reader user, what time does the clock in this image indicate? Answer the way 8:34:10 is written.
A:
2:21:35
